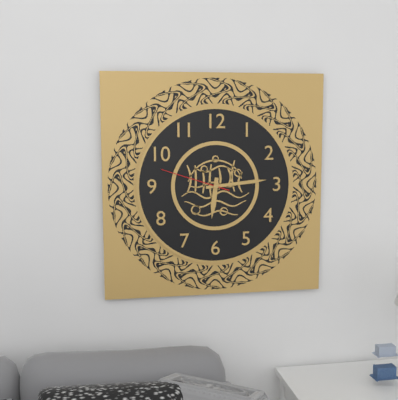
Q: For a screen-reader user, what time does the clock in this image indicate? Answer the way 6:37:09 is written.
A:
6:14:48
